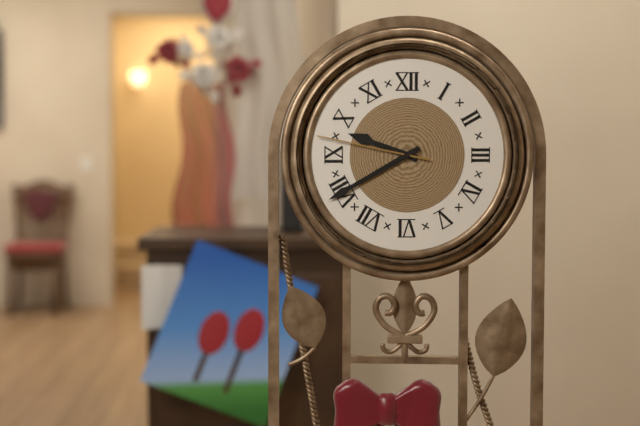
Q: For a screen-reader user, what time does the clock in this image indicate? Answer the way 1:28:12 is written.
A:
9:40:47
